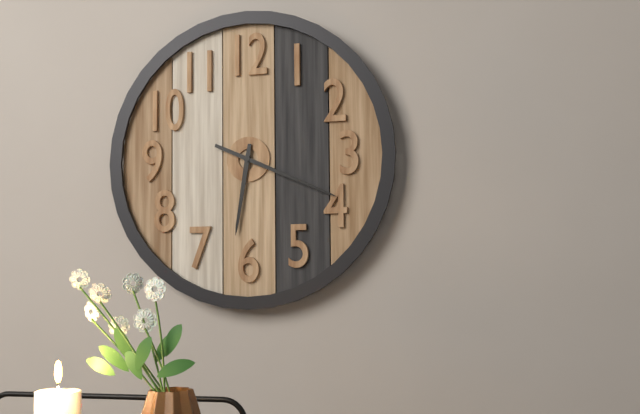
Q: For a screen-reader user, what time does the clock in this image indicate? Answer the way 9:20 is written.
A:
6:19
